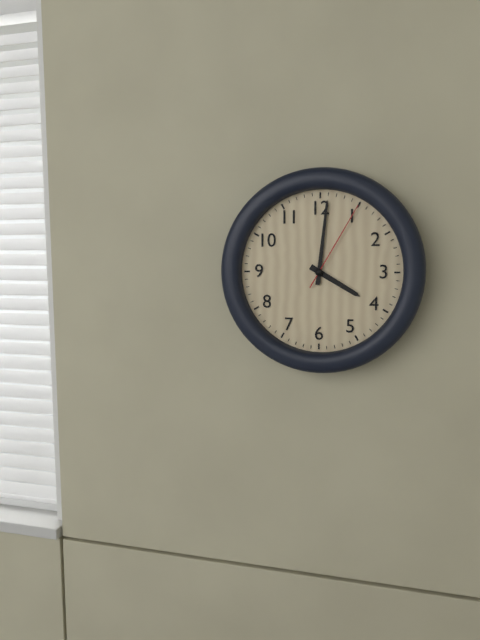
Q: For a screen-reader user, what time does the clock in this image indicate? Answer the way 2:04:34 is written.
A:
4:01:05
